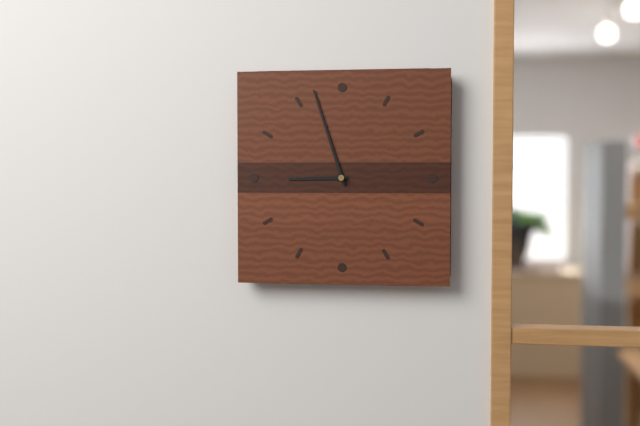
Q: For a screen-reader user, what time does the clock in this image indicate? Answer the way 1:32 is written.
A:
8:57
